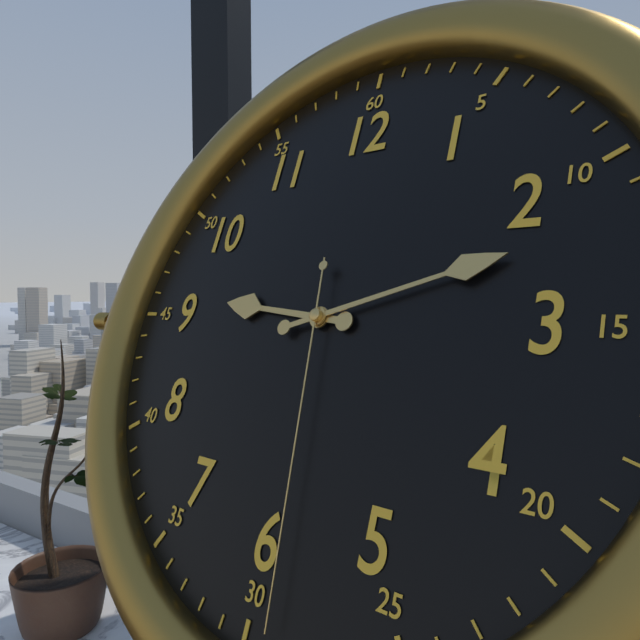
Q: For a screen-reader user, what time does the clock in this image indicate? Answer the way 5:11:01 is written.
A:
9:12:29
